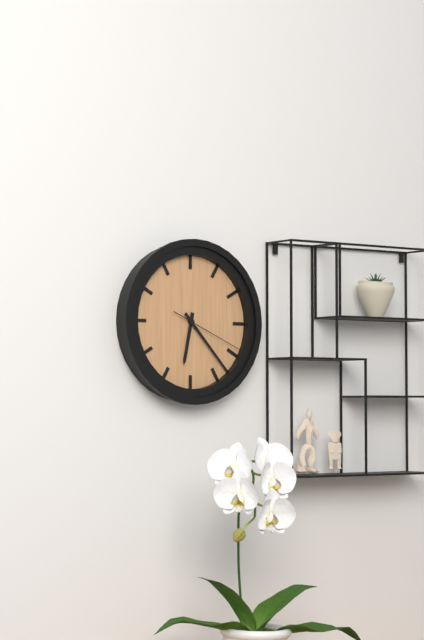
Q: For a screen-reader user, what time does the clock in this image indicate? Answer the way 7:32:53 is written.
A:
6:23:19
